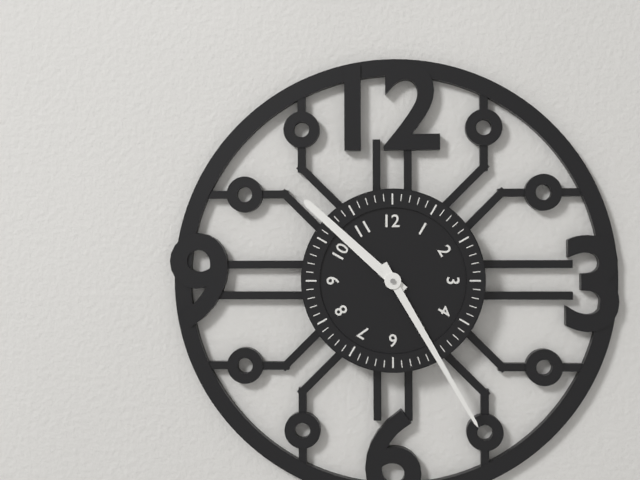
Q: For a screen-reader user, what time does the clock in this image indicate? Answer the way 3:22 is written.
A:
10:25
